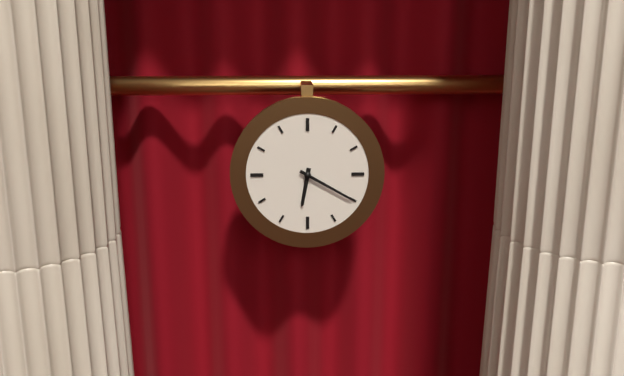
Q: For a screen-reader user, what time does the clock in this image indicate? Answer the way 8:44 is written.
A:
6:20
